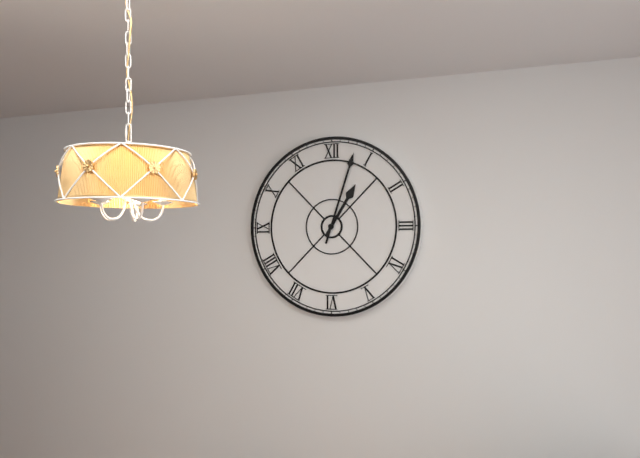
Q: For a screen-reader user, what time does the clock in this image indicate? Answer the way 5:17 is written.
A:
1:03
